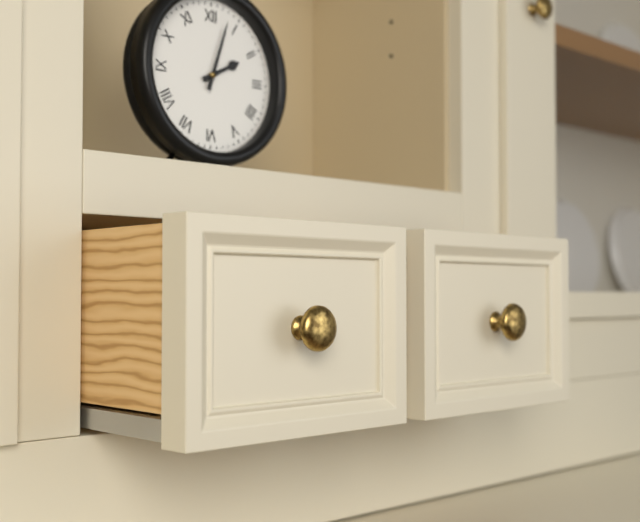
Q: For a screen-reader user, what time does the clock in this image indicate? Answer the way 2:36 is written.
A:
2:03
